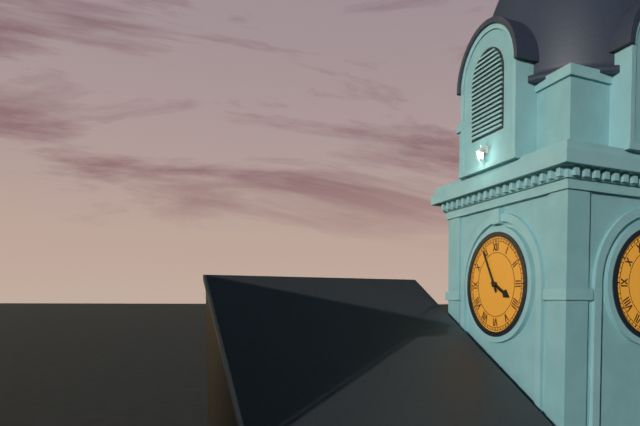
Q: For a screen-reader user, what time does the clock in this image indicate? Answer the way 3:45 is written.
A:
3:55
